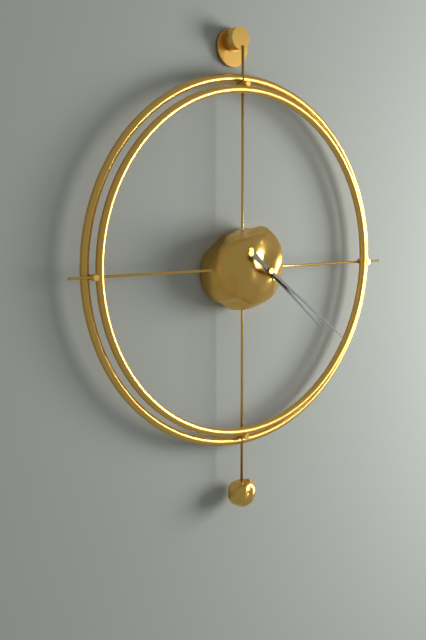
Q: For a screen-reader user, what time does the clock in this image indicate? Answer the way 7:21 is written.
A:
4:21
